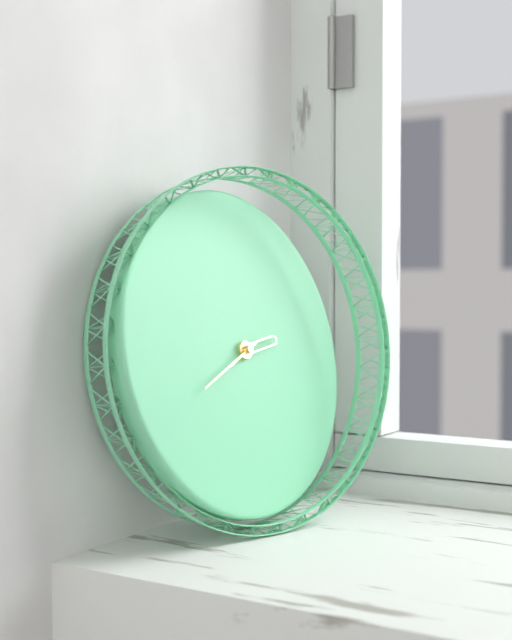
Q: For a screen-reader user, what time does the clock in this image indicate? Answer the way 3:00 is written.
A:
2:41
